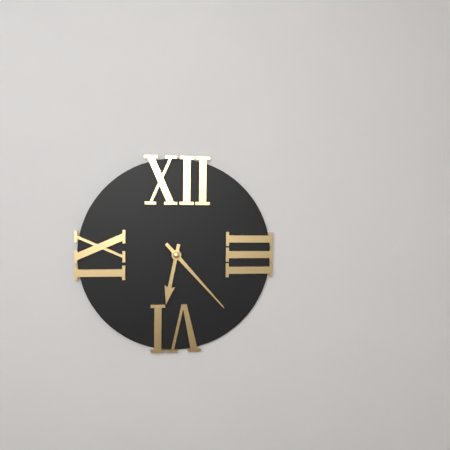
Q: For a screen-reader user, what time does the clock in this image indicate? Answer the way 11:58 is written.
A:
6:23
